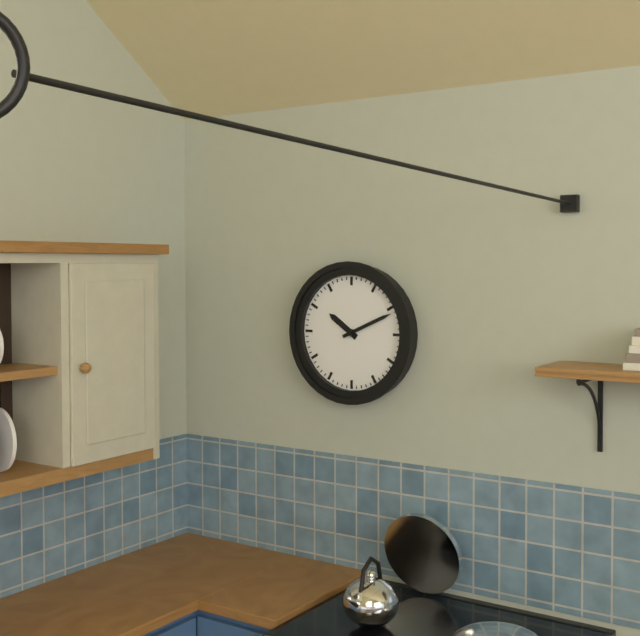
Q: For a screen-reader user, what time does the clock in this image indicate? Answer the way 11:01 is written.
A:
10:11
